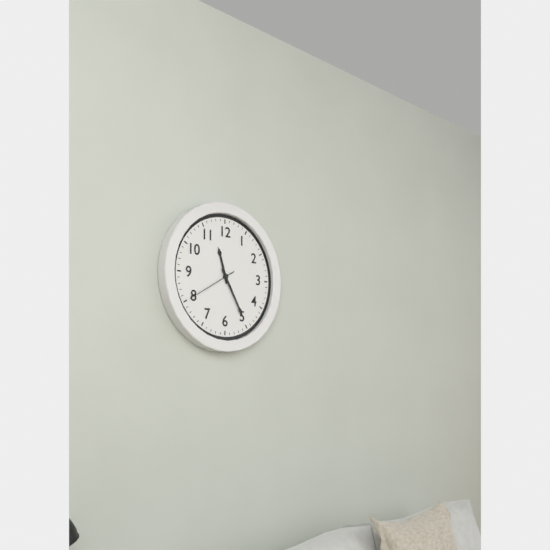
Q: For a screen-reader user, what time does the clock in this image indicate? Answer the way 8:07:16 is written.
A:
11:25:40
